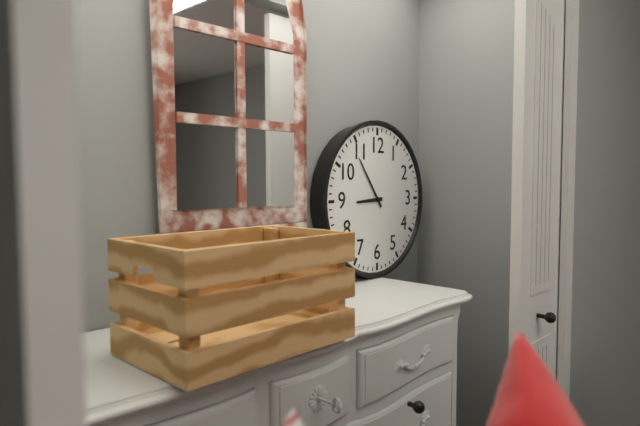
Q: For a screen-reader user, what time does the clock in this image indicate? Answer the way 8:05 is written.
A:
8:54
